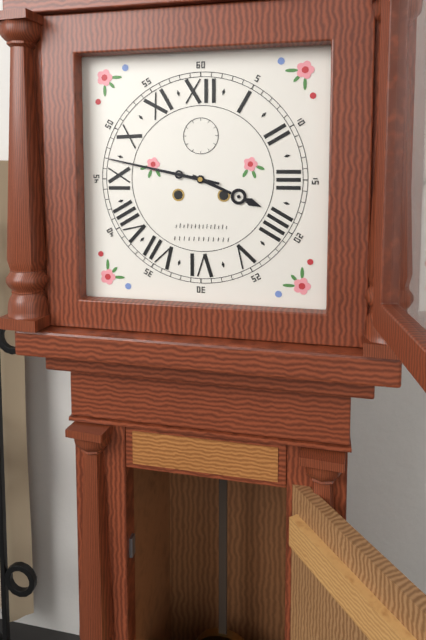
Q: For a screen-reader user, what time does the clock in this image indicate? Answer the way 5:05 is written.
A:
3:47
